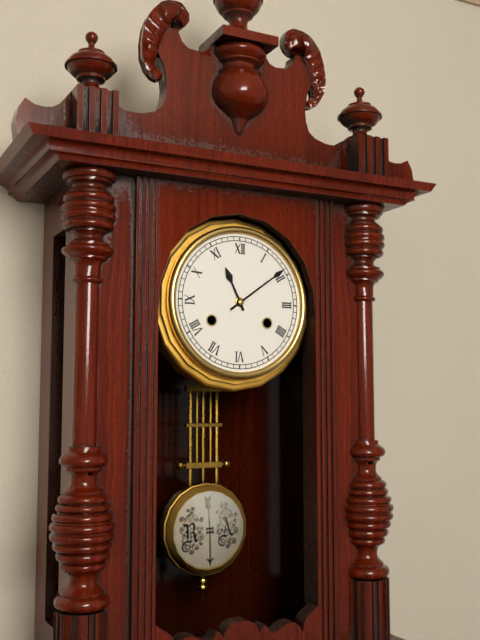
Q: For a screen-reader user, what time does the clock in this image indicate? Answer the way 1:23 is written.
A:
11:09
